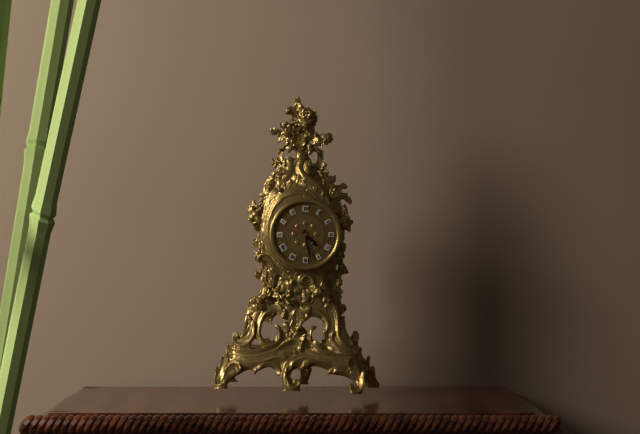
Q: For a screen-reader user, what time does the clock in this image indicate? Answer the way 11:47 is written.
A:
4:28
